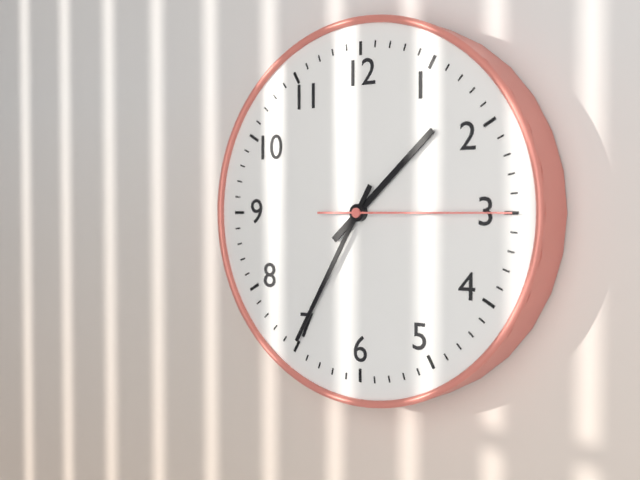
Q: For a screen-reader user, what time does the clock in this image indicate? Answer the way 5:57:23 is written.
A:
1:35:15
